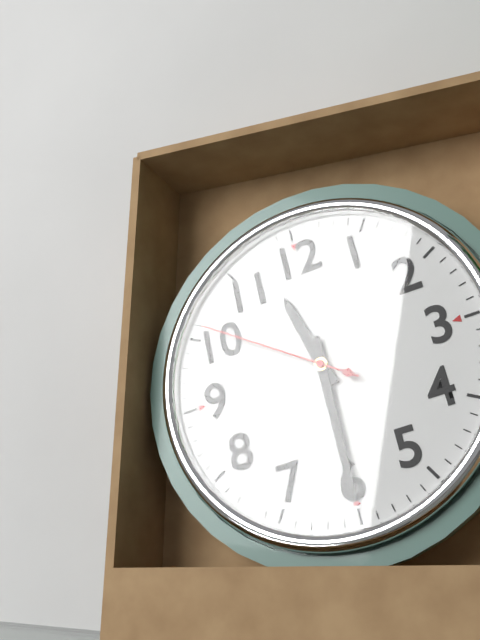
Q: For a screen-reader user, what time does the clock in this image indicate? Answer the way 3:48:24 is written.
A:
11:30:51
